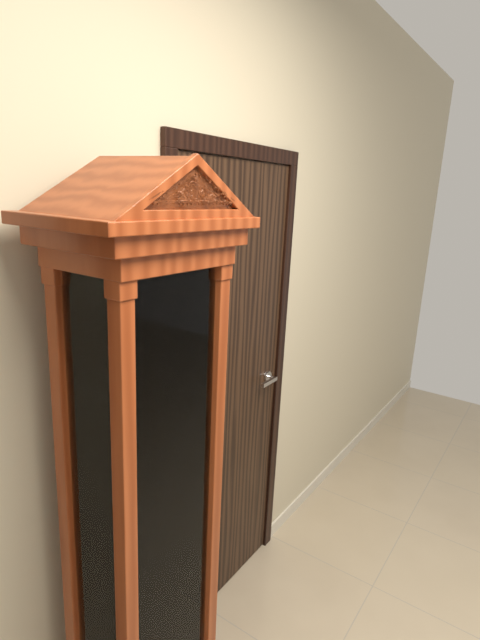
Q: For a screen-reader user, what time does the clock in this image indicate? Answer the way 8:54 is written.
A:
4:57
